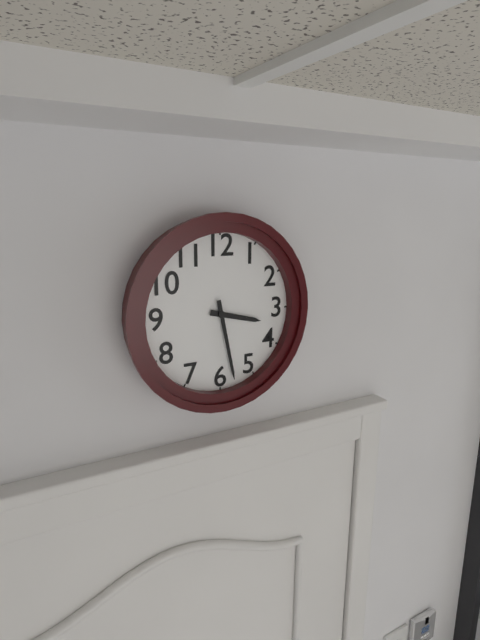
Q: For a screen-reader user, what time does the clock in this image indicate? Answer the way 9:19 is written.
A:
3:28
